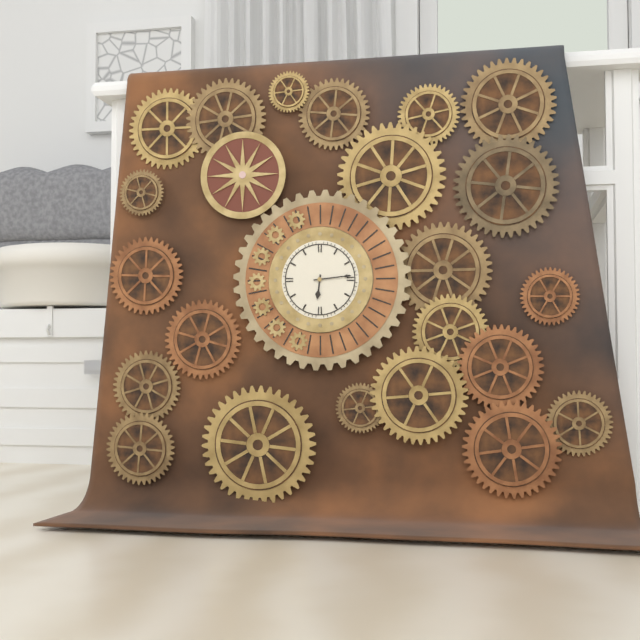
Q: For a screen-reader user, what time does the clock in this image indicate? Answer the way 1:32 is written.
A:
6:14
